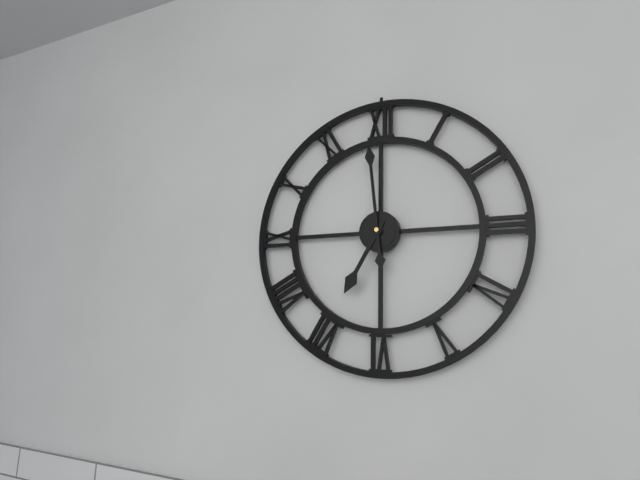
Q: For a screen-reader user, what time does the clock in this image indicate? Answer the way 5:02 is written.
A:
6:59
